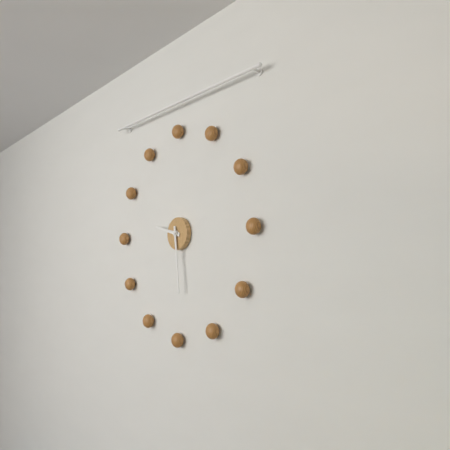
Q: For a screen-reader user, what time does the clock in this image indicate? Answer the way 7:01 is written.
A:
9:29
